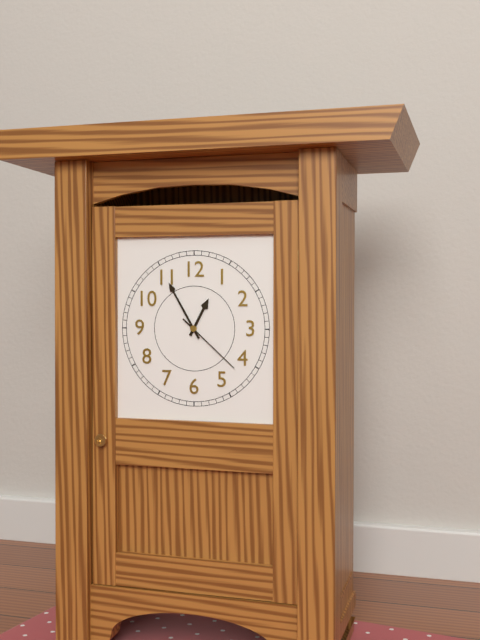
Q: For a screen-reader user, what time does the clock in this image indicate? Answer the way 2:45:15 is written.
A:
12:55:22
